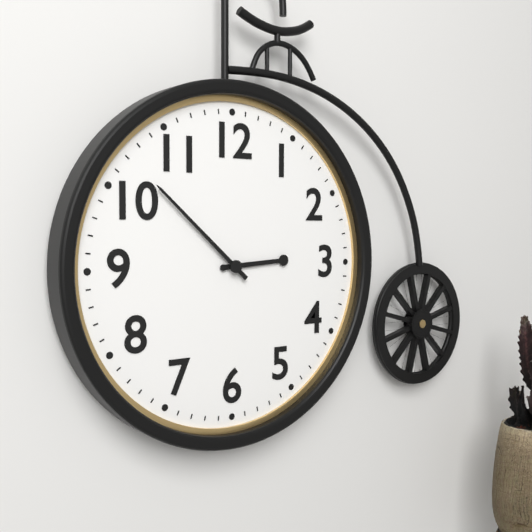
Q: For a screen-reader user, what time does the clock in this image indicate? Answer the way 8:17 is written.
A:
2:52
